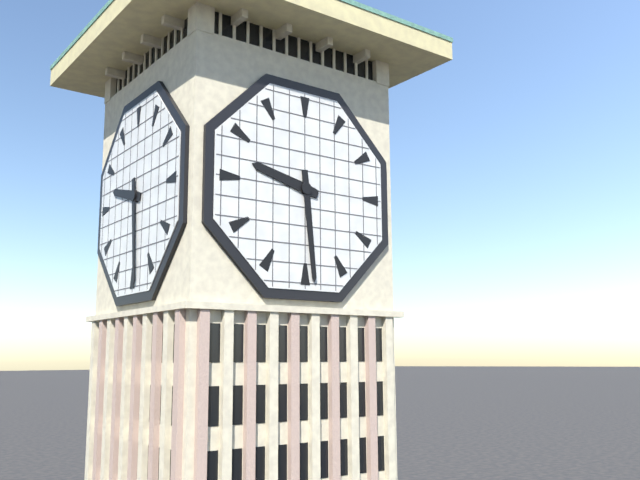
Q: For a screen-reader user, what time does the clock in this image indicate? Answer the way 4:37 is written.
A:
9:29
